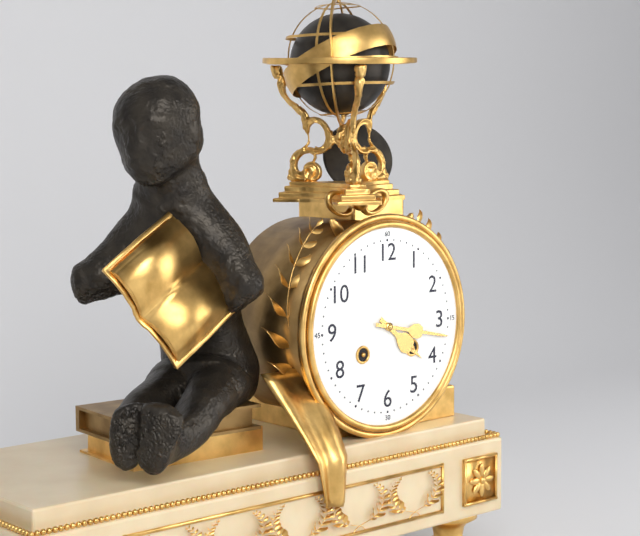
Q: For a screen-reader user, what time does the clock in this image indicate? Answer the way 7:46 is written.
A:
4:17
